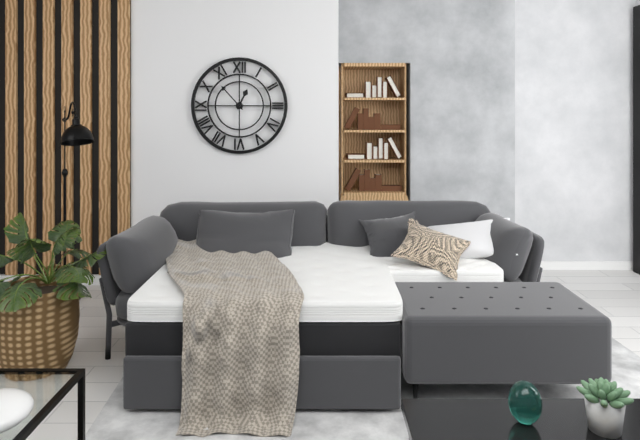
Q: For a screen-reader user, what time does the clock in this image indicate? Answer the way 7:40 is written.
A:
12:53
